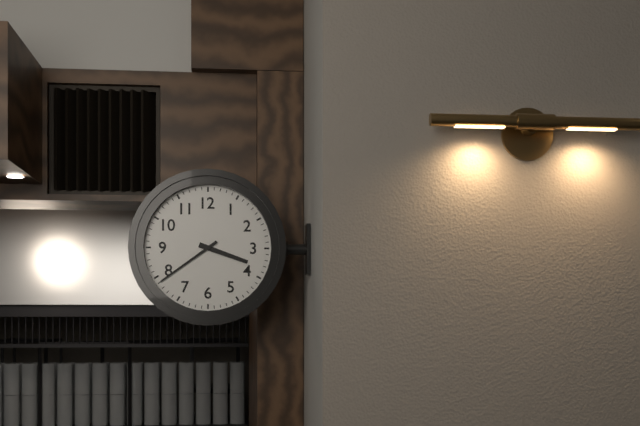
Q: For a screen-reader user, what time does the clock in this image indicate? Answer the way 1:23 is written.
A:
3:39
